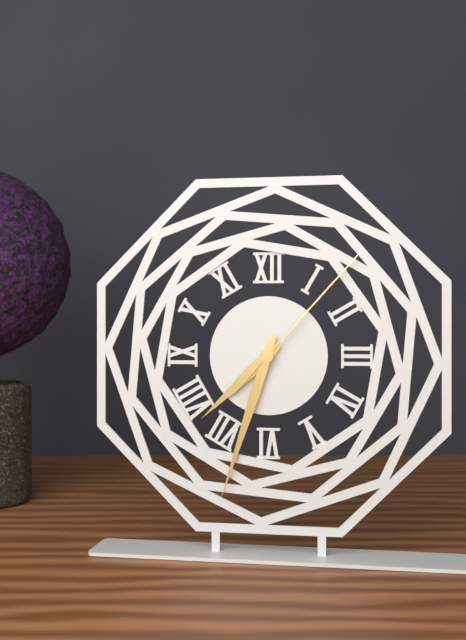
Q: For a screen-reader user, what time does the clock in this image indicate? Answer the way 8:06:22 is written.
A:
7:33:07
